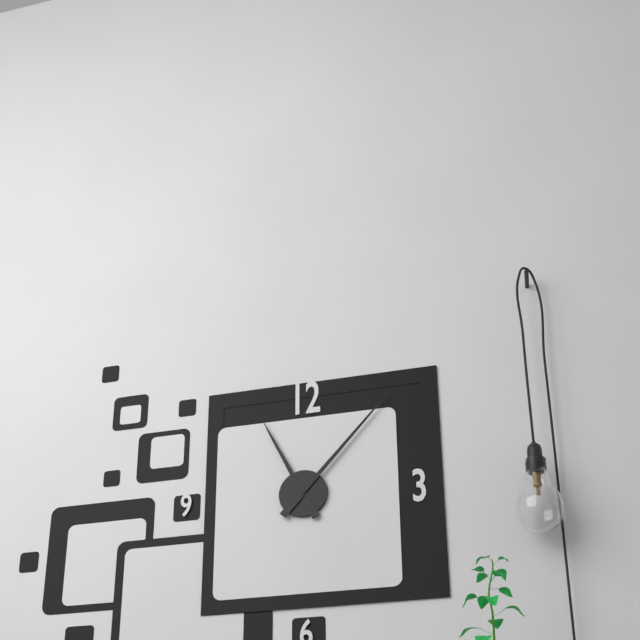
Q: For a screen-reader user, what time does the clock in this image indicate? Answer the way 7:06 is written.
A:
11:07
